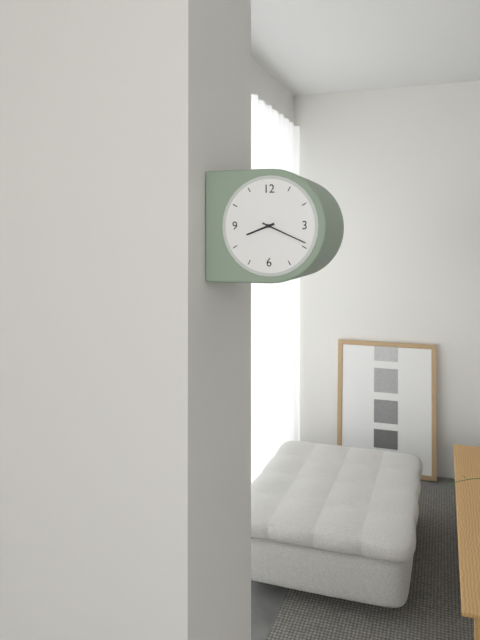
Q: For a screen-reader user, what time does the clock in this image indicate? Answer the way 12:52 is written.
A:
8:19
